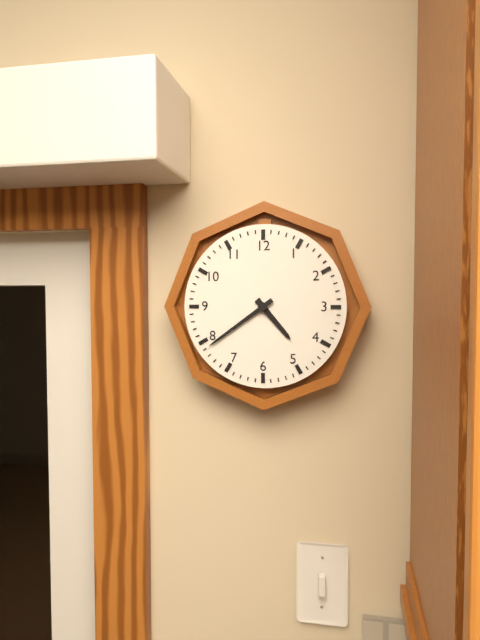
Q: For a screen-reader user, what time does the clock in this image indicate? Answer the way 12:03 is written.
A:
4:39
